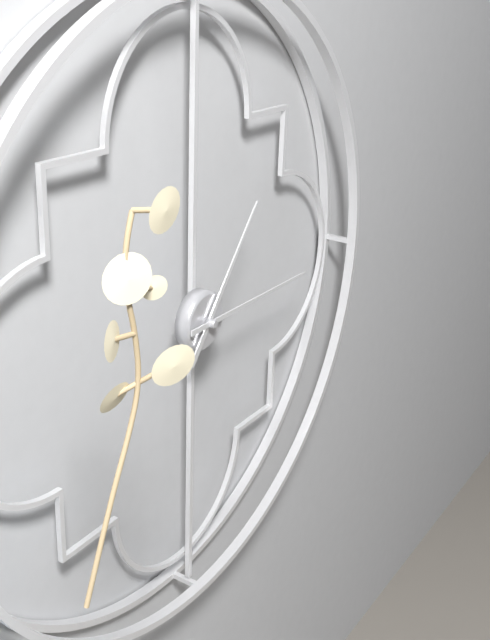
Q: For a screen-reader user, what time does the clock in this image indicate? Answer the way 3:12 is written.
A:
1:15
